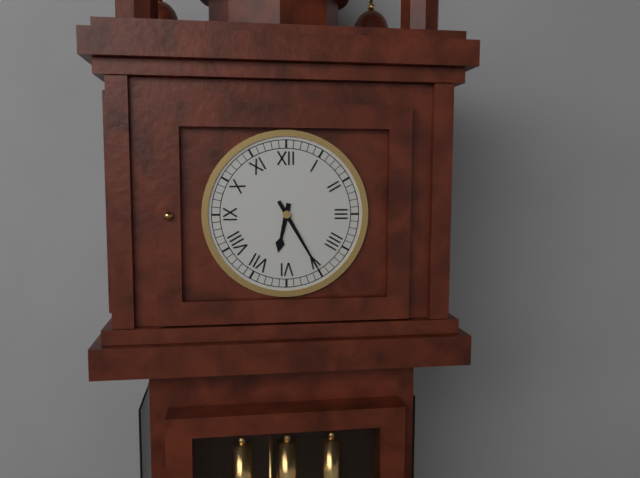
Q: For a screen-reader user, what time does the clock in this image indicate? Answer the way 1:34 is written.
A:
6:25
